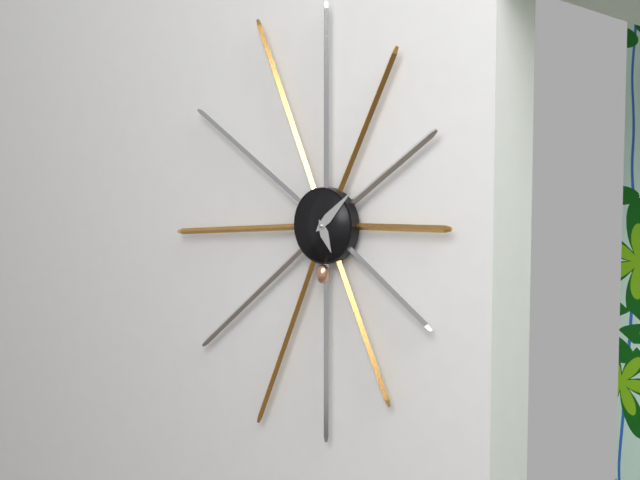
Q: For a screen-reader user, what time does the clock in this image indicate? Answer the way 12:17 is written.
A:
5:08
